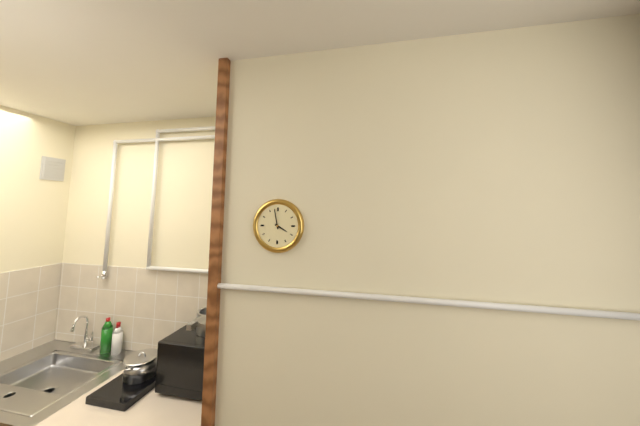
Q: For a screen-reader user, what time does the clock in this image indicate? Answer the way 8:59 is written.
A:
3:58
